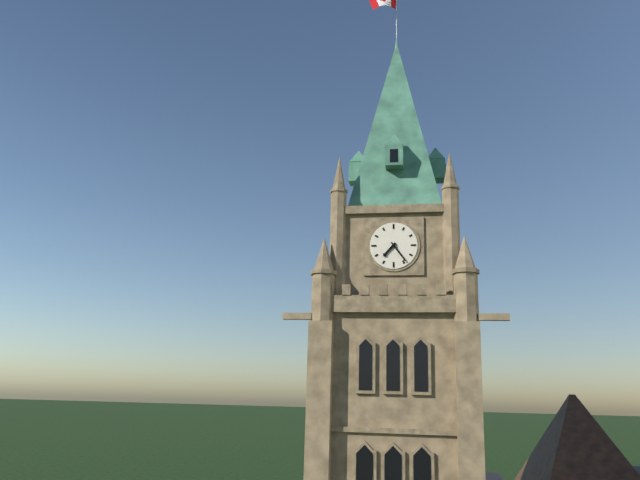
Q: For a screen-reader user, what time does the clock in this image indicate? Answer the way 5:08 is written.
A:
7:24
